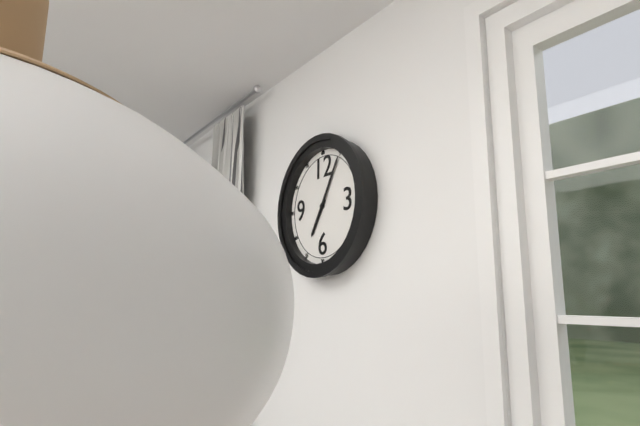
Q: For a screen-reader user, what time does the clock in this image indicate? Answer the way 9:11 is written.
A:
7:05
